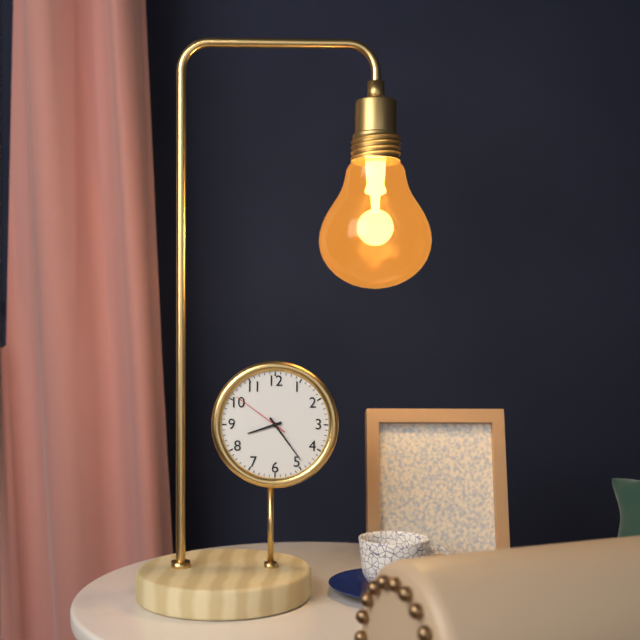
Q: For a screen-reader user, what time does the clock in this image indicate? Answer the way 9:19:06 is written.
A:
8:24:51
